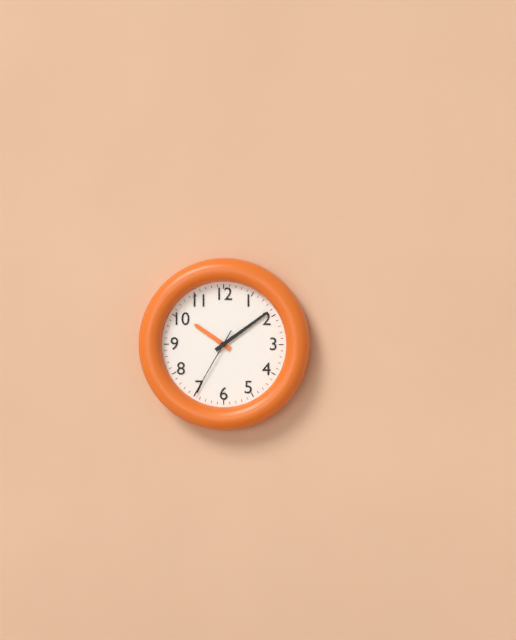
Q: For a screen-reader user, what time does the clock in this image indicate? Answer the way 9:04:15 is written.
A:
10:09:35
